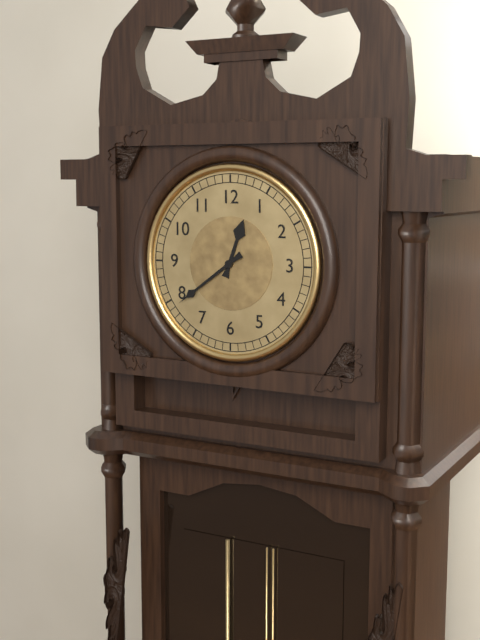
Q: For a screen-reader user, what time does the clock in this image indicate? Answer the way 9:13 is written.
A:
12:39
